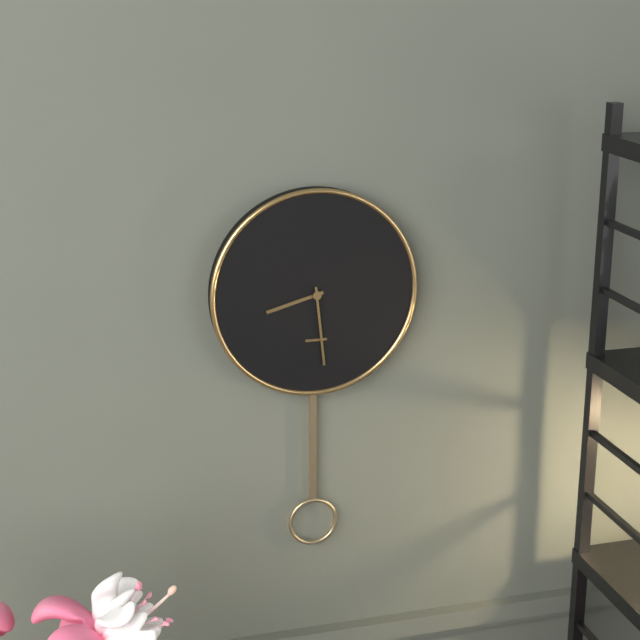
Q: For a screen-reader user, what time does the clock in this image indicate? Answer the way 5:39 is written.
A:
8:29
